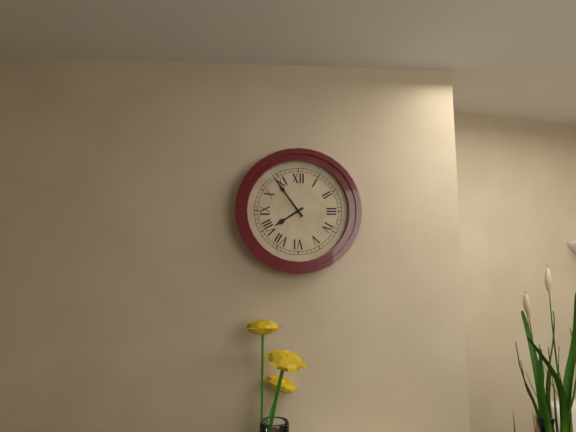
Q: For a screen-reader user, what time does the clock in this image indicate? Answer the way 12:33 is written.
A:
7:54
